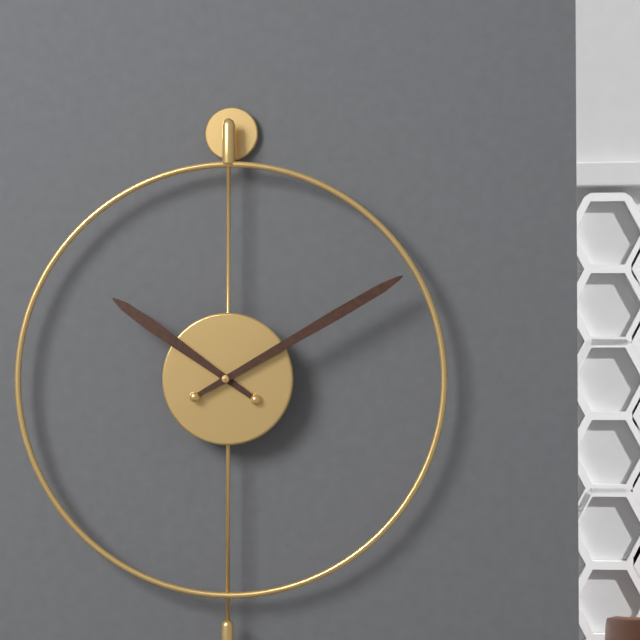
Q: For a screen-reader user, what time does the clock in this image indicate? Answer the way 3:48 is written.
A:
10:10
